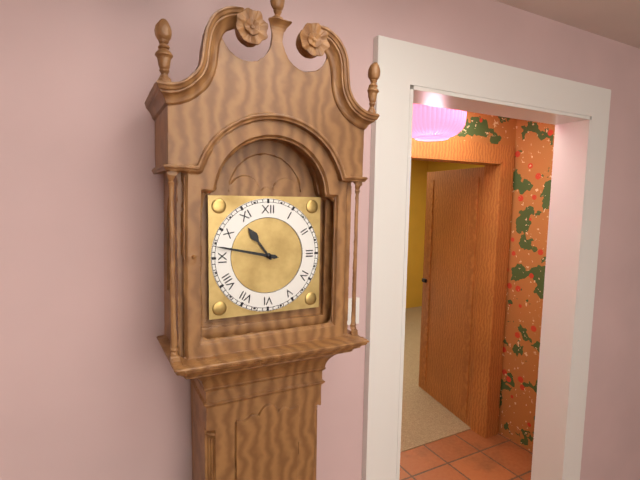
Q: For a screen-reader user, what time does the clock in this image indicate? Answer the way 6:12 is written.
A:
10:47
